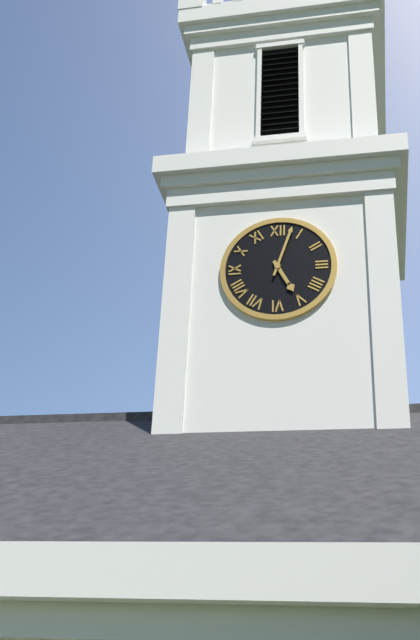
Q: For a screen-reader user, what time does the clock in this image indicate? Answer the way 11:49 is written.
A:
5:03
